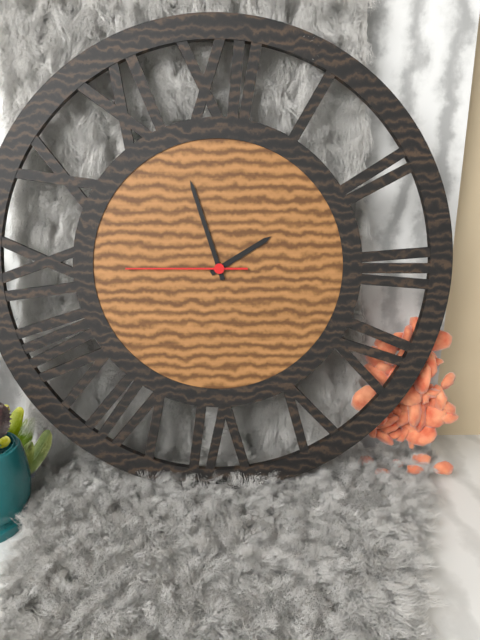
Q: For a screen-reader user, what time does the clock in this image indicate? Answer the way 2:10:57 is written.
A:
1:57:45
